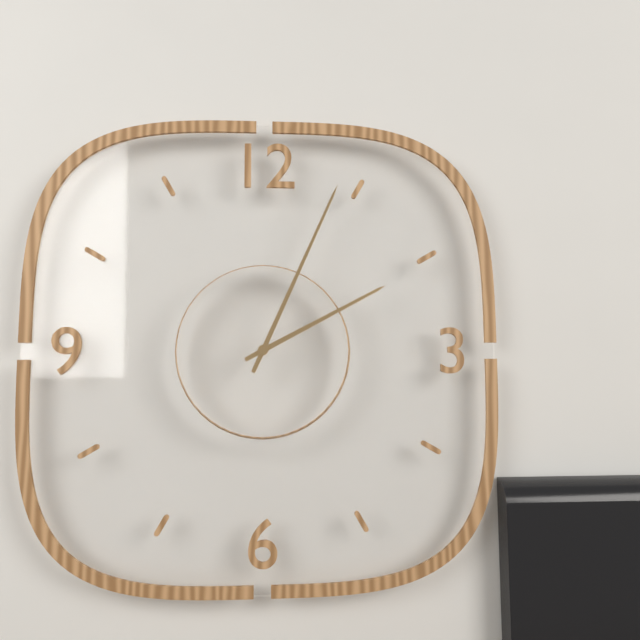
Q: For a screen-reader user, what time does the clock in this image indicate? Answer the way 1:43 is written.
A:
2:04
